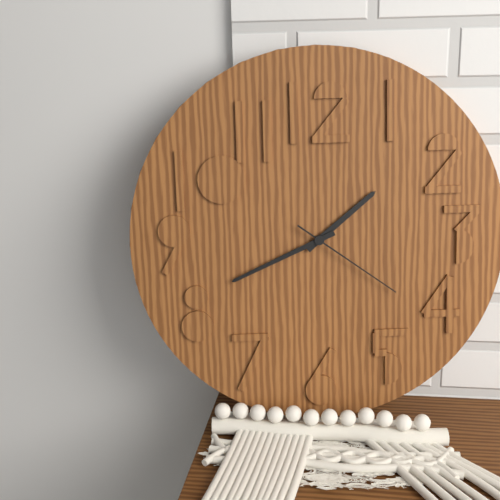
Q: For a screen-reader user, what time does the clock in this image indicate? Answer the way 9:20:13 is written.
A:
1:41:21
